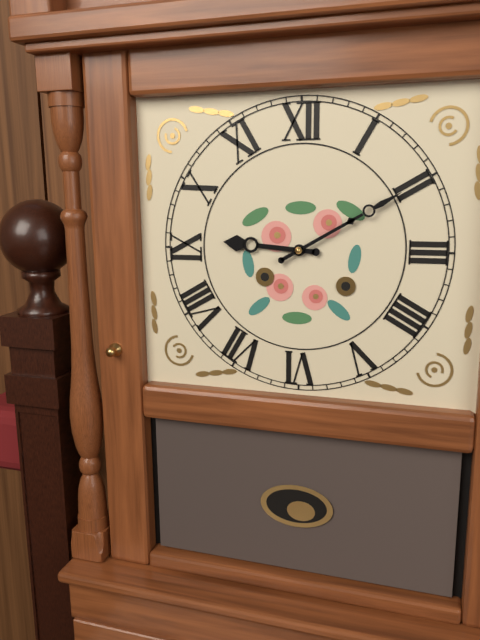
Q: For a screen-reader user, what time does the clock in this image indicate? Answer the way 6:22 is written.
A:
9:10
